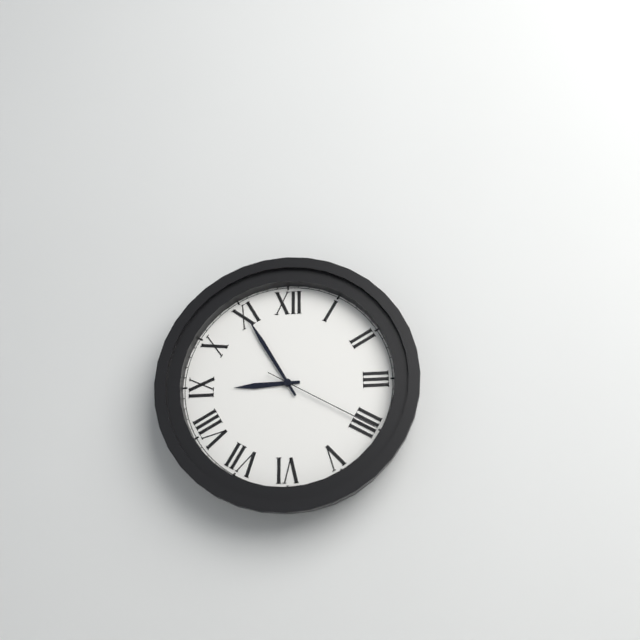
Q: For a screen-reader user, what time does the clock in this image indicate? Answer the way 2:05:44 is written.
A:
8:55:20
